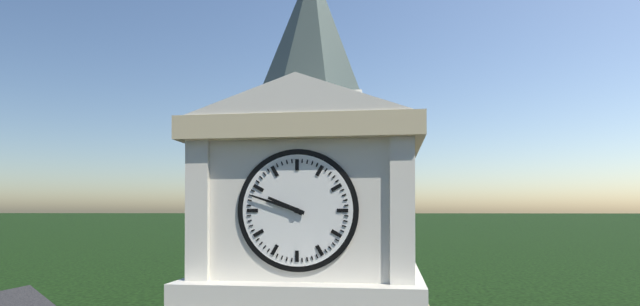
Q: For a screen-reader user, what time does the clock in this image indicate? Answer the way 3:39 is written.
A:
9:48
